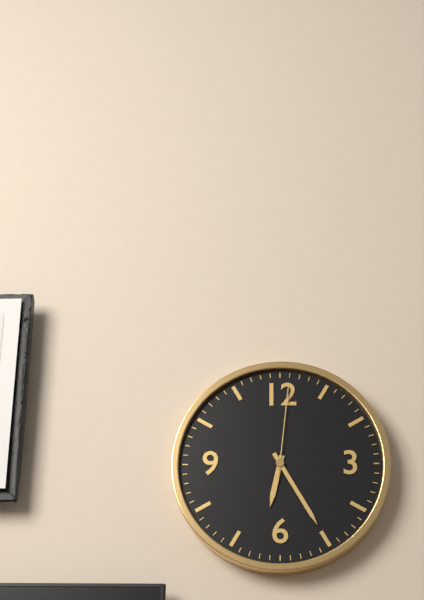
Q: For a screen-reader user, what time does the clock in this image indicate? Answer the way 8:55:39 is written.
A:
6:25:01
